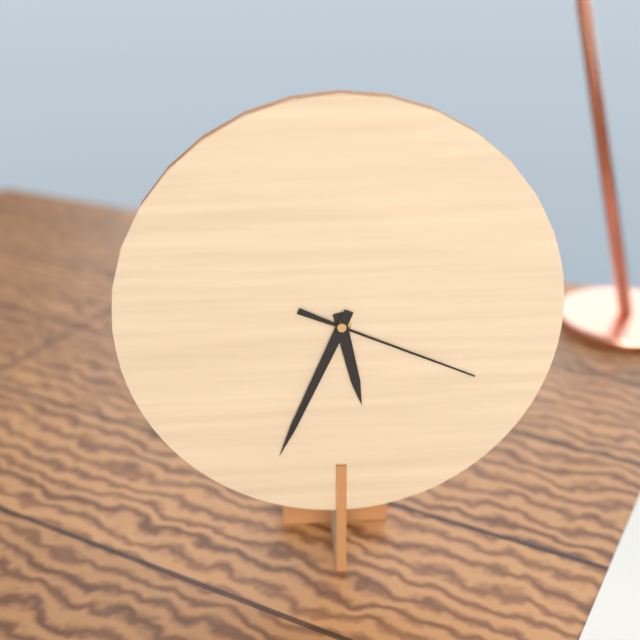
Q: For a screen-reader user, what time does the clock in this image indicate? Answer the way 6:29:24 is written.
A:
5:34:19
